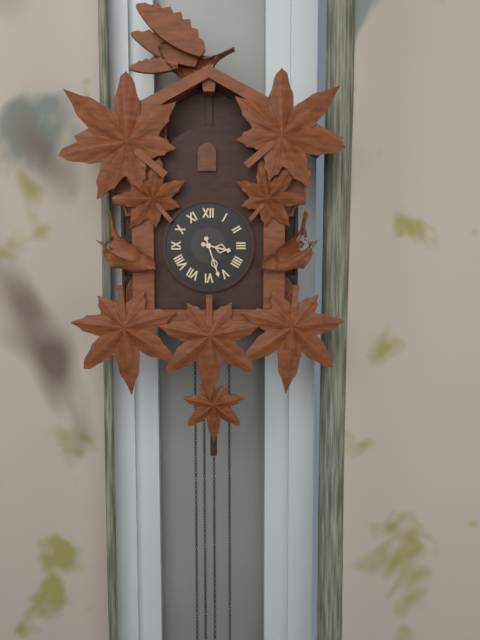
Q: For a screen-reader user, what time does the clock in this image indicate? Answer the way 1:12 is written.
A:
3:27
